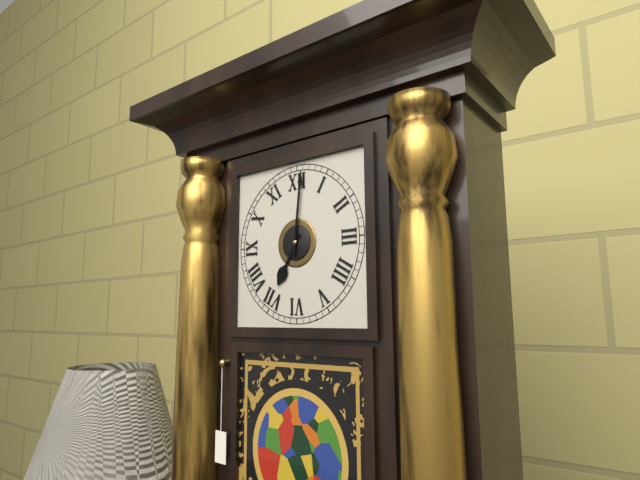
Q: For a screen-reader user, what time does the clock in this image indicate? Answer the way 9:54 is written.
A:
7:01
